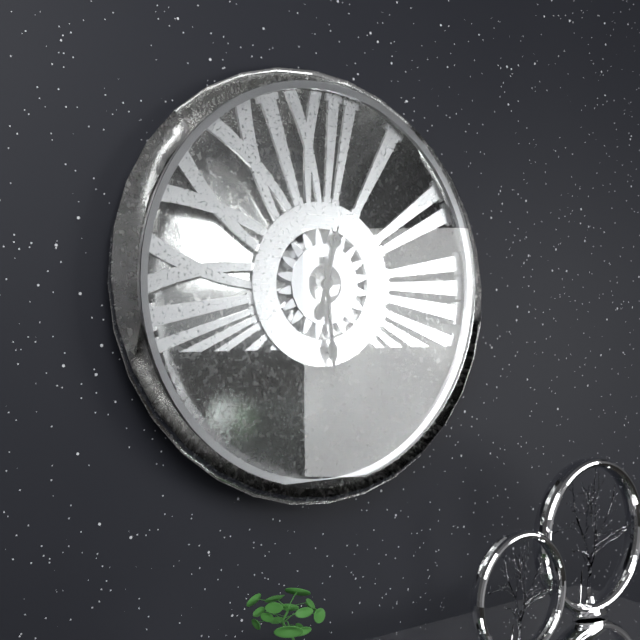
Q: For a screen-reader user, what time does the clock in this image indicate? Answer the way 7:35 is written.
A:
12:29
